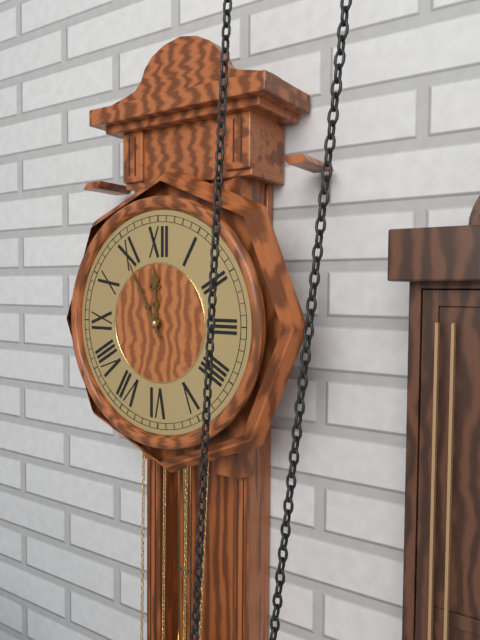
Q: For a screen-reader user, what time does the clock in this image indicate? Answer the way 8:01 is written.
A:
11:55
